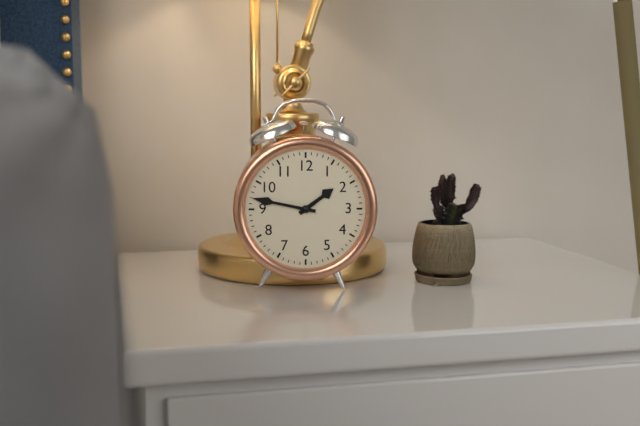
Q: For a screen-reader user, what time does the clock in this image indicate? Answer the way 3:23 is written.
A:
1:47
